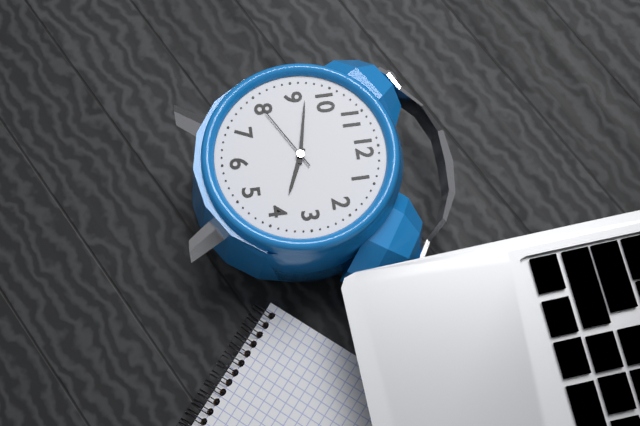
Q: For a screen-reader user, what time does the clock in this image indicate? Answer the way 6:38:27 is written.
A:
3:47:40
